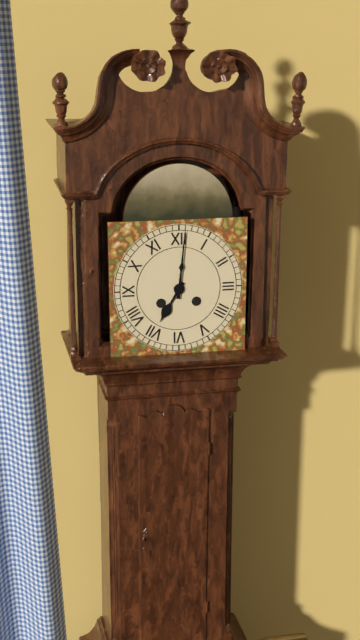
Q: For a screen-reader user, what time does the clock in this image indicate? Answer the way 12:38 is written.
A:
7:01
